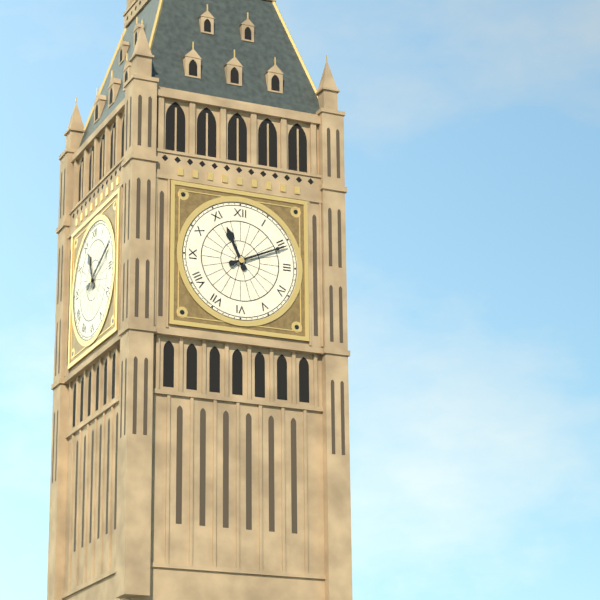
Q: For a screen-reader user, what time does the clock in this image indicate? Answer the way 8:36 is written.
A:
11:11
